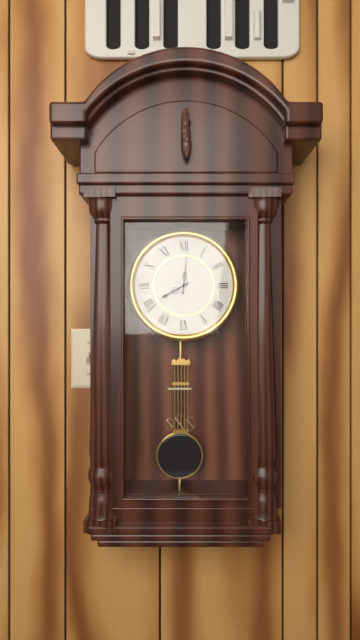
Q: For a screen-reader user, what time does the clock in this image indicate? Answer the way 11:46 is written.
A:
8:01
